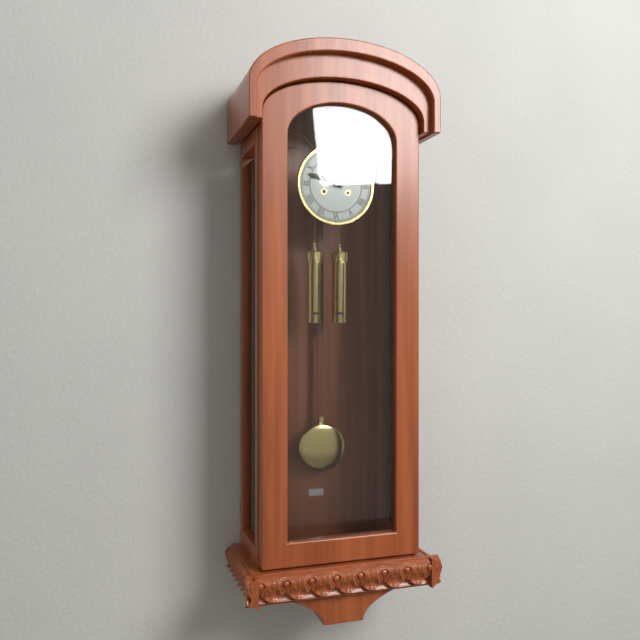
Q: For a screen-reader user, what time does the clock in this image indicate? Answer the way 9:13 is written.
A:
9:48
